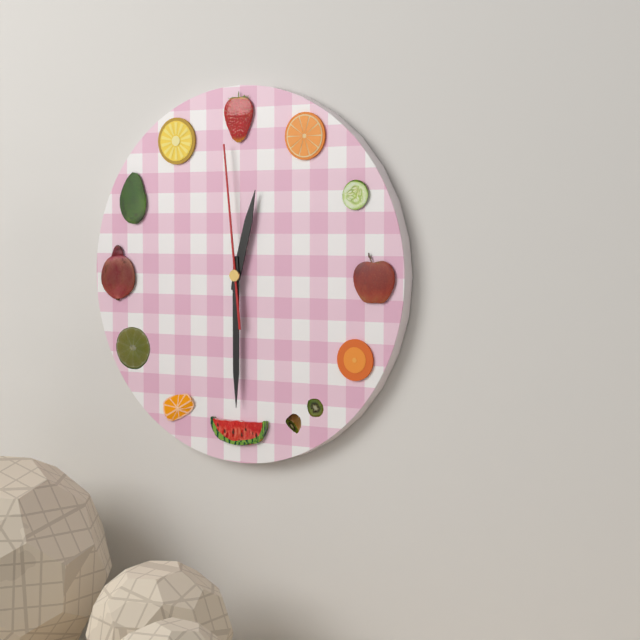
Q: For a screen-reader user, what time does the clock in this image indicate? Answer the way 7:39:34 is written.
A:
12:30:59
